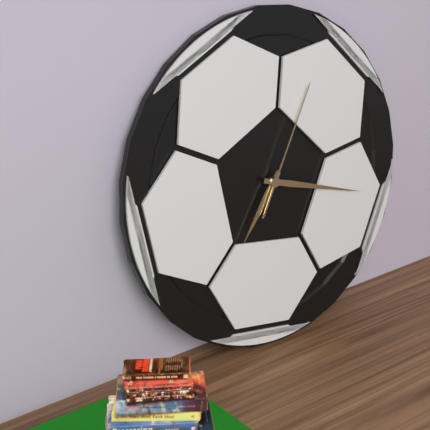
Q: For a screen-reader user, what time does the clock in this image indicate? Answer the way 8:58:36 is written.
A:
7:18:05
